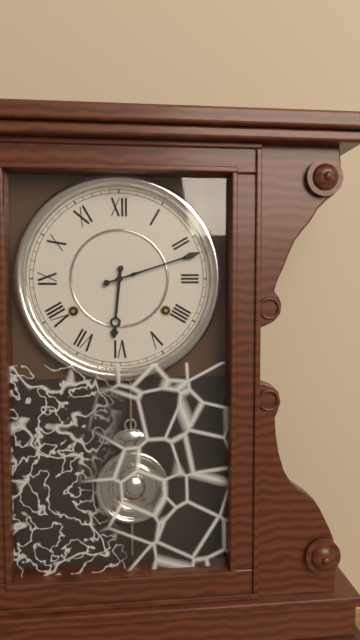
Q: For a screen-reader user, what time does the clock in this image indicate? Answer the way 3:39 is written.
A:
6:12
